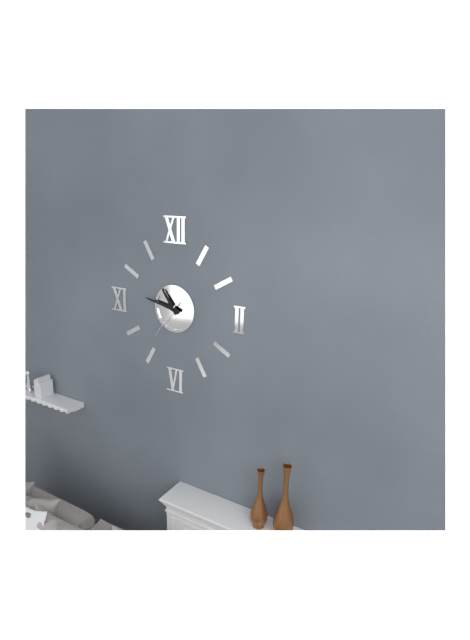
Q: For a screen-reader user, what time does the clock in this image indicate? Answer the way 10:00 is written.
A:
10:47
